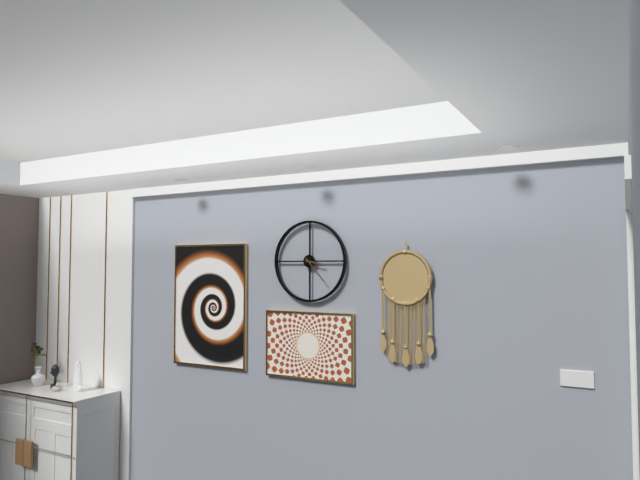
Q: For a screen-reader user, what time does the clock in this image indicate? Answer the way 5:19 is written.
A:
3:23
